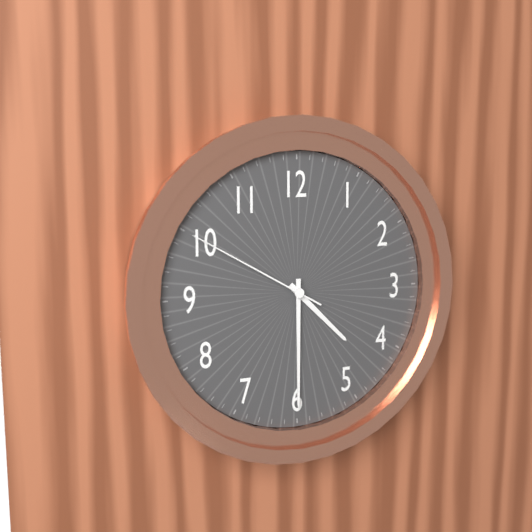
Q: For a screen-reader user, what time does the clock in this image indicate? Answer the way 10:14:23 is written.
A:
4:30:50
